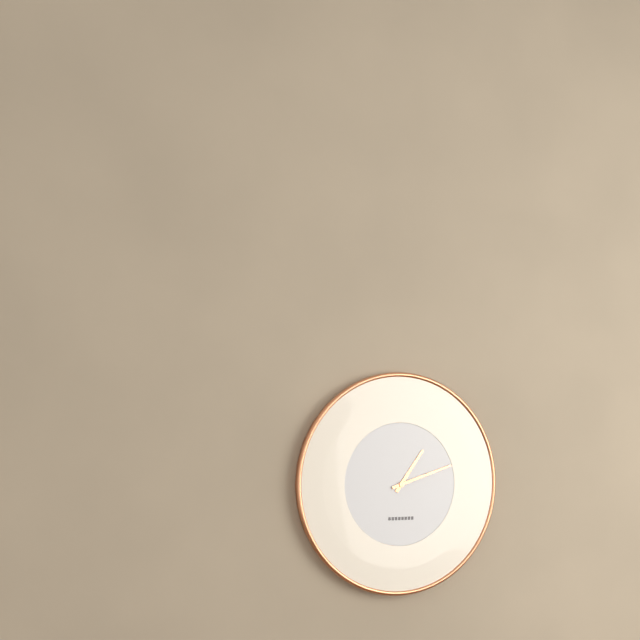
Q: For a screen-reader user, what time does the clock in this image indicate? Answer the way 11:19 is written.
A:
1:12
